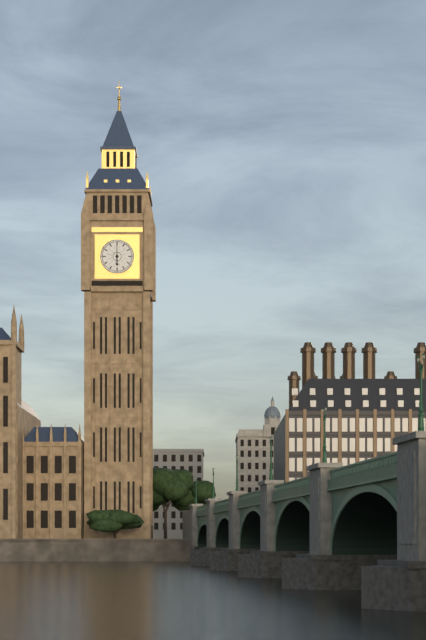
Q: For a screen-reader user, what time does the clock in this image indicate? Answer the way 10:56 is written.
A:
6:00
